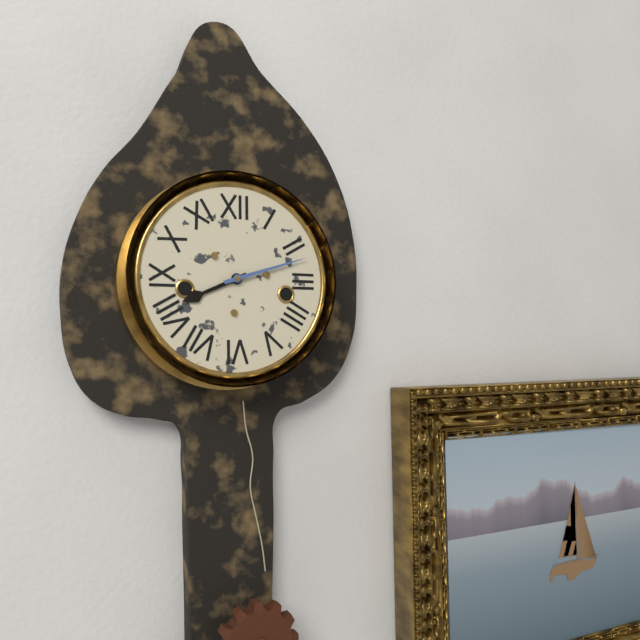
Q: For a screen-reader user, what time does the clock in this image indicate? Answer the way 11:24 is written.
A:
8:12
